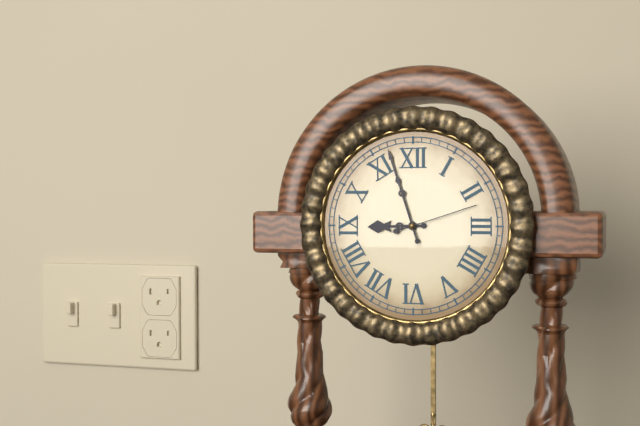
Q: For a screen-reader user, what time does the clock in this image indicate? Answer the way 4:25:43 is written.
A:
8:57:12
